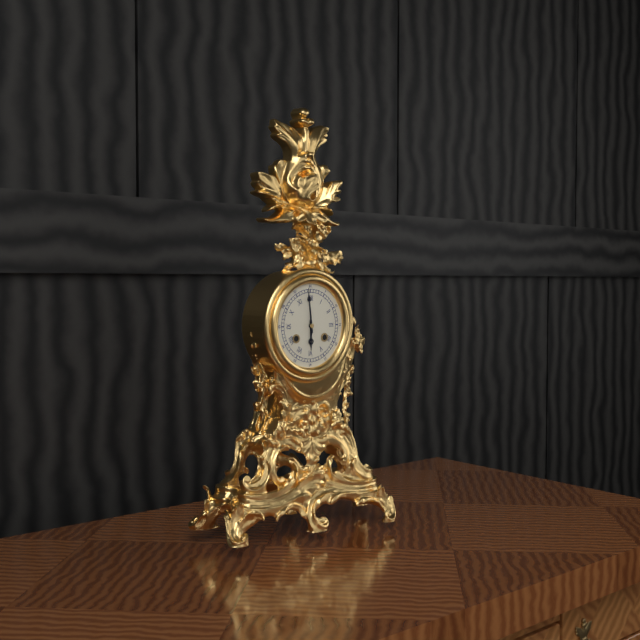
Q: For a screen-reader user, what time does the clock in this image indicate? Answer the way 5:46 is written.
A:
5:59
